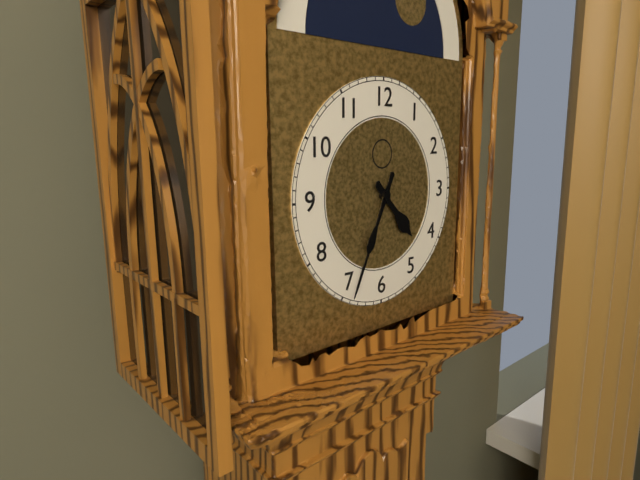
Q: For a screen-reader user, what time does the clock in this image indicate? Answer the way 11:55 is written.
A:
4:34
